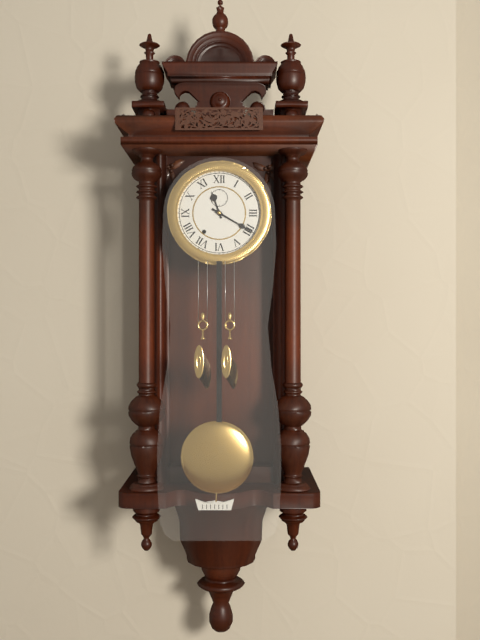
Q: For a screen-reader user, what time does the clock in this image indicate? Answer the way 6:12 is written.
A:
11:20
